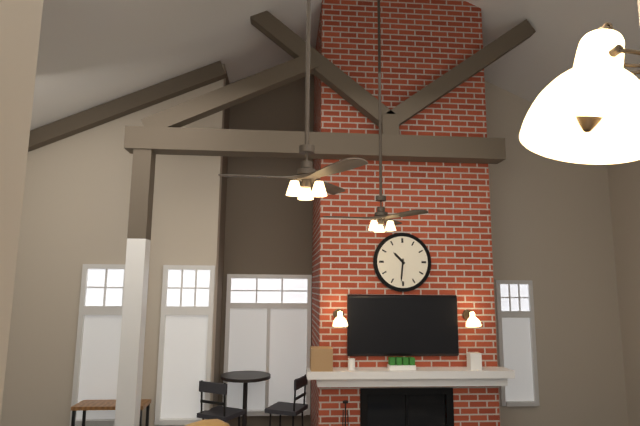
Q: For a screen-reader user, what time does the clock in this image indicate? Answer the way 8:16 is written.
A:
10:31
